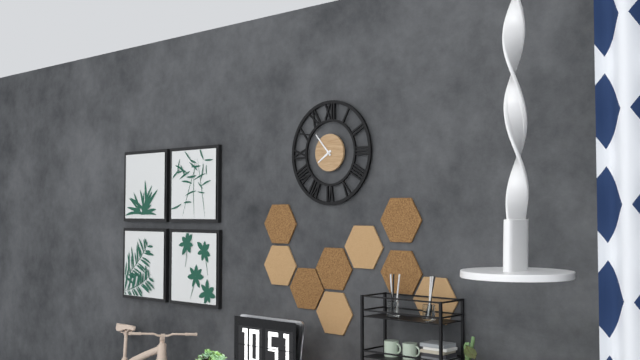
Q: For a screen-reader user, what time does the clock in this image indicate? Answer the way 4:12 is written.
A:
7:53
